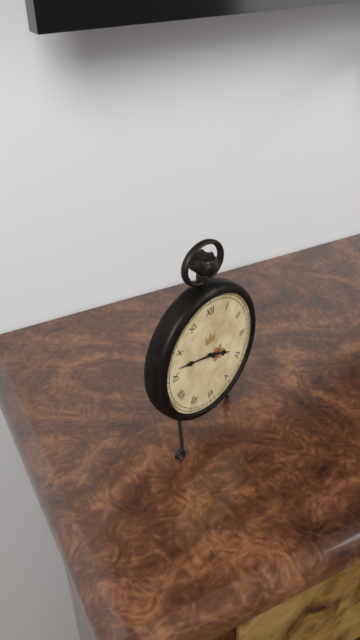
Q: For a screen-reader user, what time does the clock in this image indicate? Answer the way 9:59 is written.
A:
3:47
